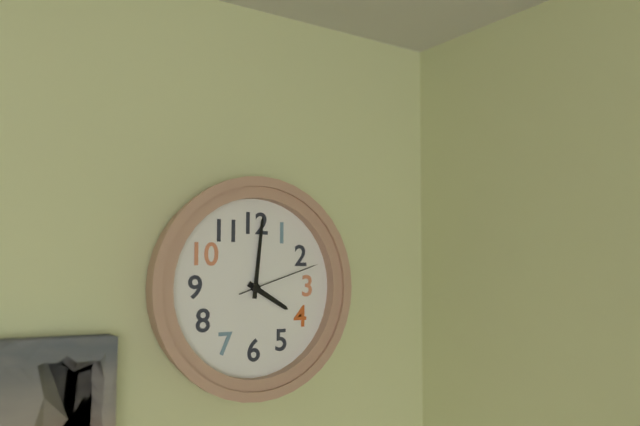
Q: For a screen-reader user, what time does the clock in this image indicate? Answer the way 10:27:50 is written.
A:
4:01:12
